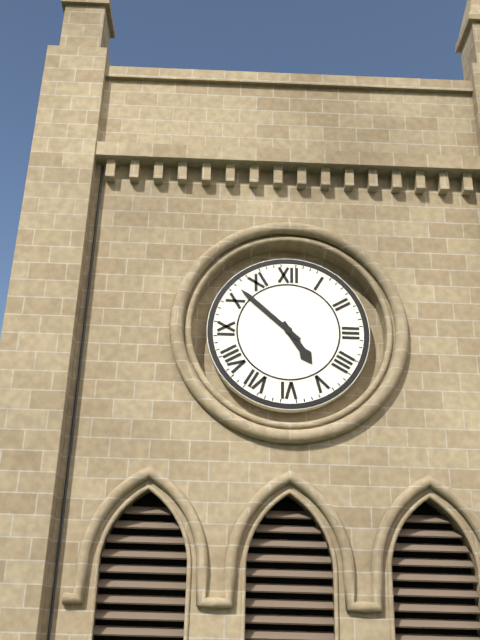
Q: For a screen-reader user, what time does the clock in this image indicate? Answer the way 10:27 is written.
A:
4:52
